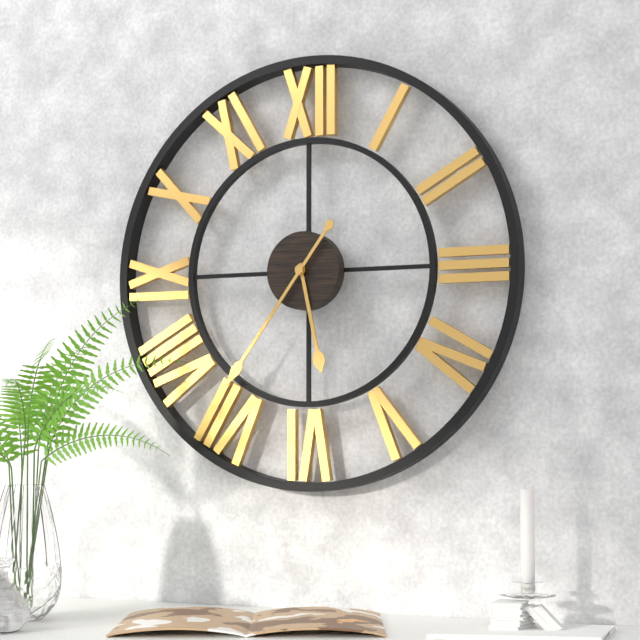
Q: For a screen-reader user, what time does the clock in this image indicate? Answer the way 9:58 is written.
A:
5:36
